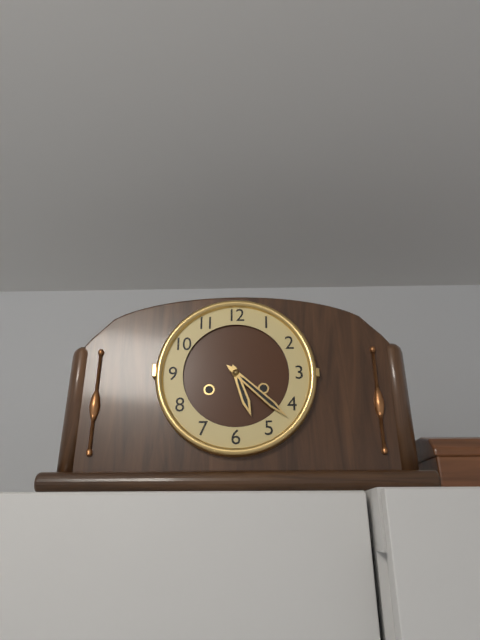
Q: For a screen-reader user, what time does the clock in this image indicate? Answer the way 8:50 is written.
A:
5:22
